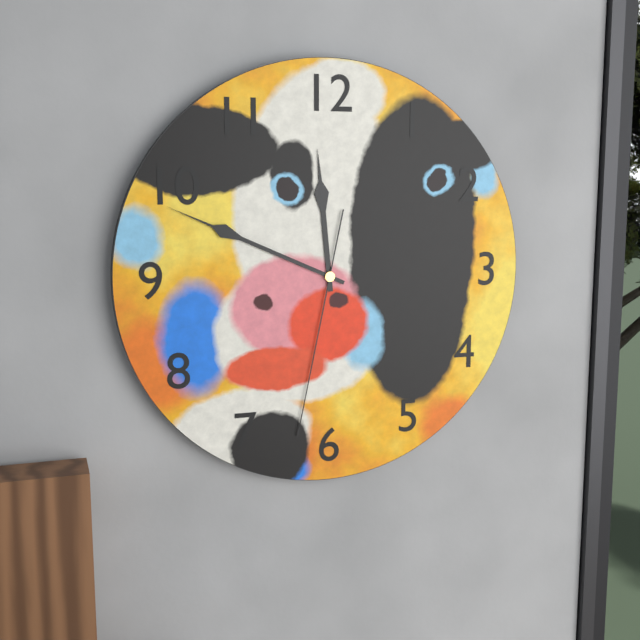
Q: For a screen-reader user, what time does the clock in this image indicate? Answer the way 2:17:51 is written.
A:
11:49:32
